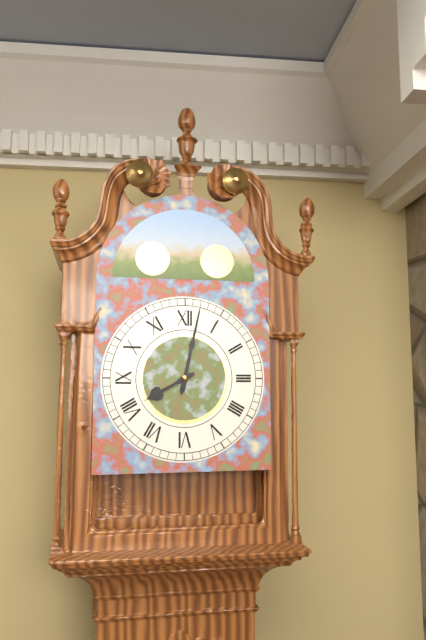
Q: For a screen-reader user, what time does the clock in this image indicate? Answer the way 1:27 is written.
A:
8:02
